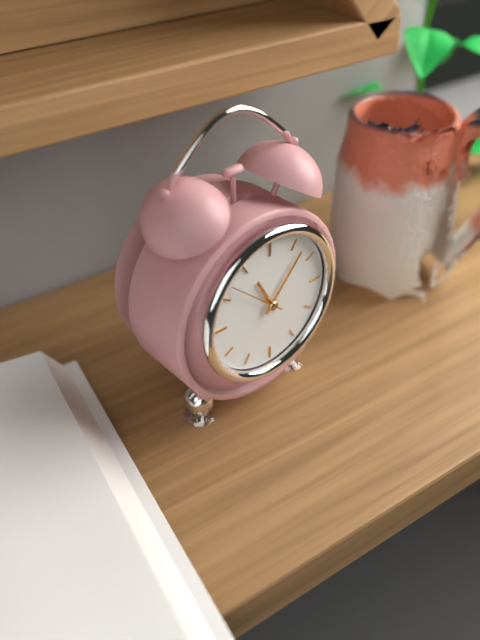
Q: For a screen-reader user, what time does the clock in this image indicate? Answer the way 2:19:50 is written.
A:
11:07:52
